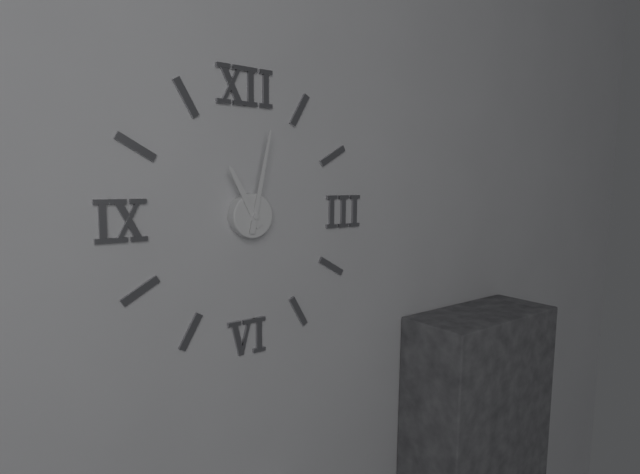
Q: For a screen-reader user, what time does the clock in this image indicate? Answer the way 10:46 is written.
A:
11:02
